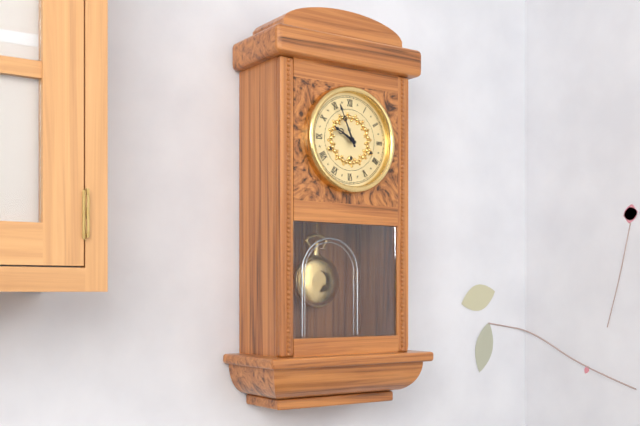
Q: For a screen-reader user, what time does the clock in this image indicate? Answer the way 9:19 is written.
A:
9:56
